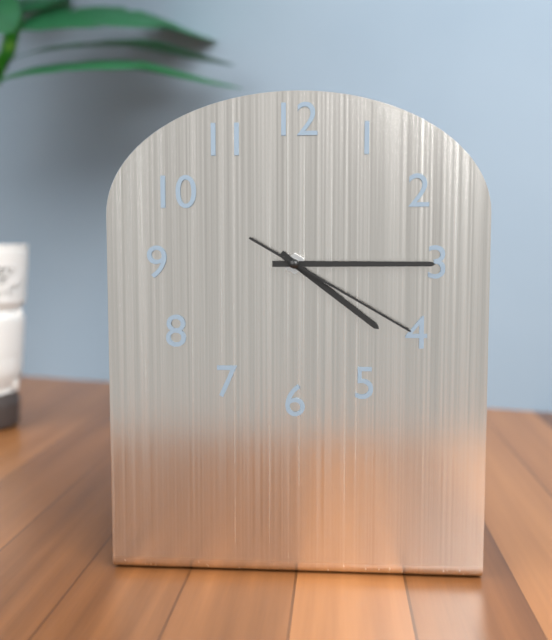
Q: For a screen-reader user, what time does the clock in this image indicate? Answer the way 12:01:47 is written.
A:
4:15:20
